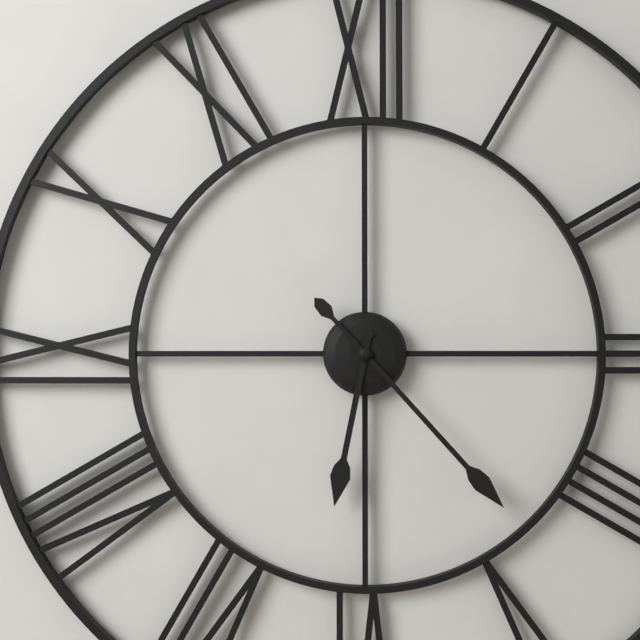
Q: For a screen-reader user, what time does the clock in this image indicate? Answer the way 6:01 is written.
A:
6:23
